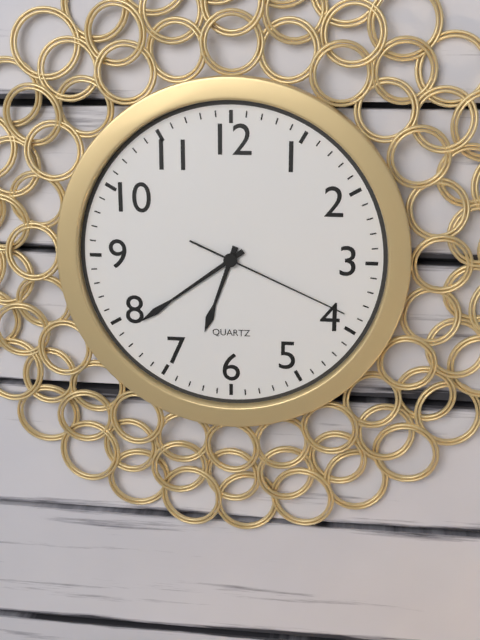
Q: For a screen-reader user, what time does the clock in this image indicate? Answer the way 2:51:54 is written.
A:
6:39:19
